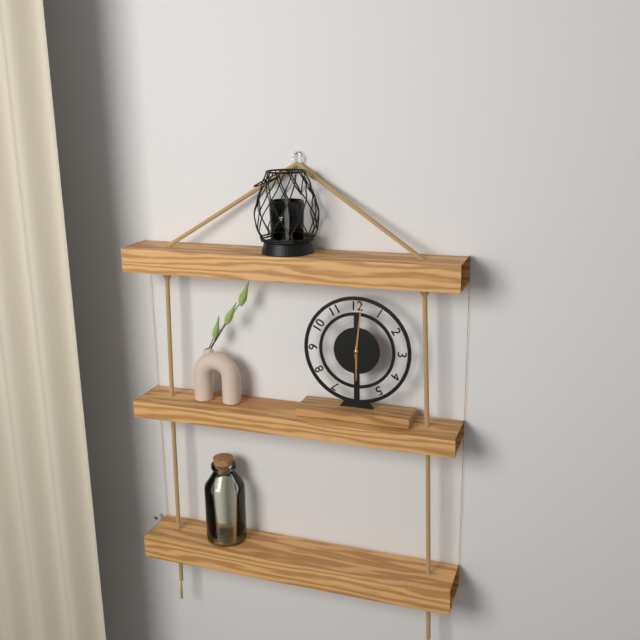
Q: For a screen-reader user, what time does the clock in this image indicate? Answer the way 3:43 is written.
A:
6:01
